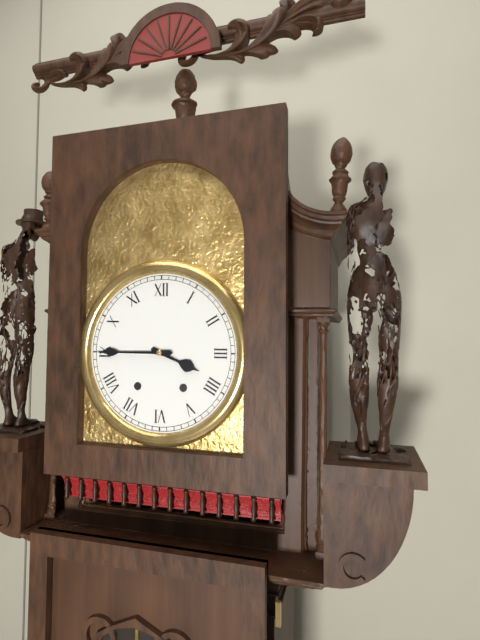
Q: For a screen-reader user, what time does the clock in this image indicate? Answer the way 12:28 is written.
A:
3:45
